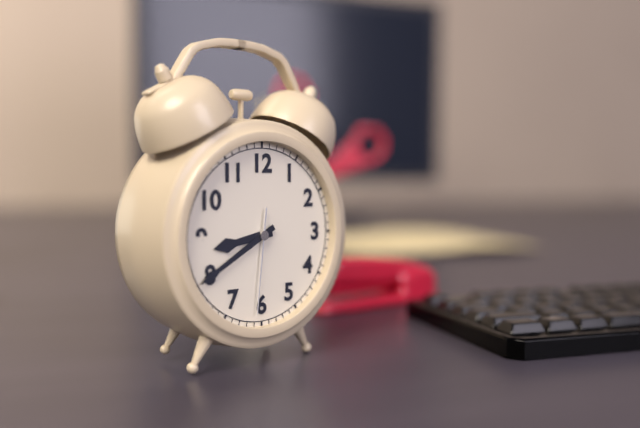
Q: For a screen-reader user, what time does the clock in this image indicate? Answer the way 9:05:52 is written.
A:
8:40:31
